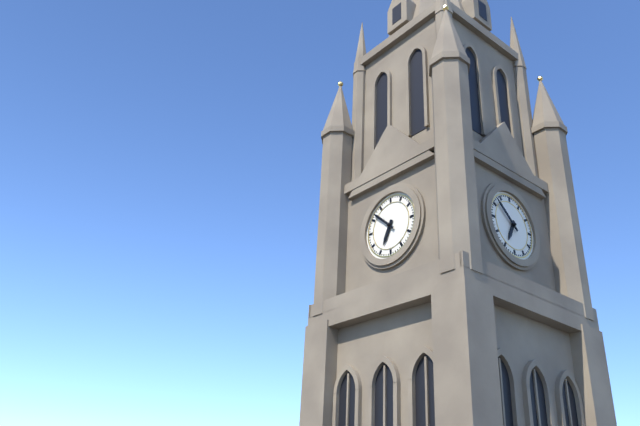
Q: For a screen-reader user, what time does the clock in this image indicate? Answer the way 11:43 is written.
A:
6:52
